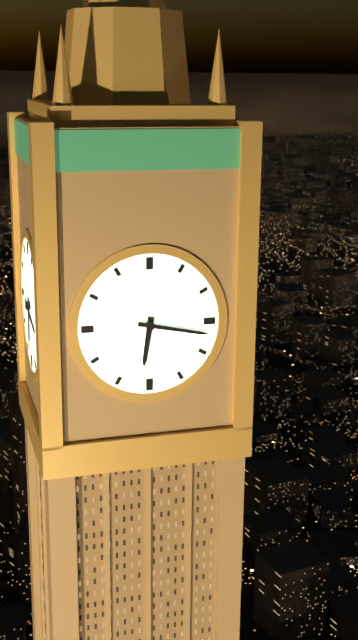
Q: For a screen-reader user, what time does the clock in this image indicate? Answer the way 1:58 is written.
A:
6:17
